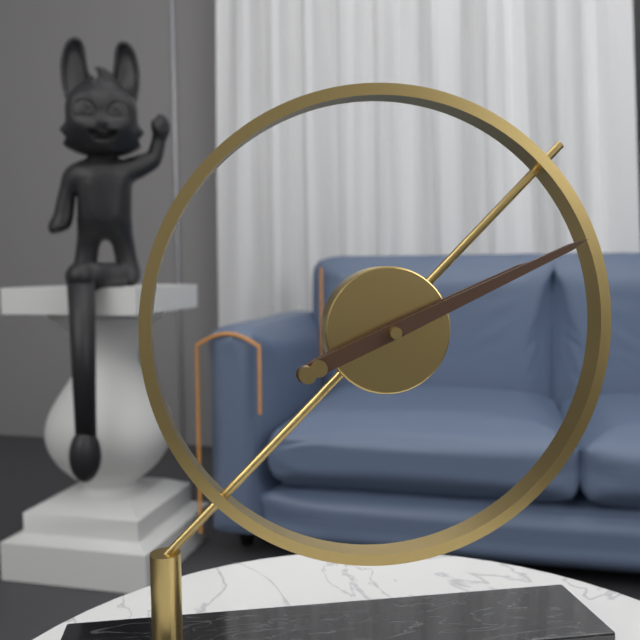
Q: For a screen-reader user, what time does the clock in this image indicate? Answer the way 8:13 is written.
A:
2:11
